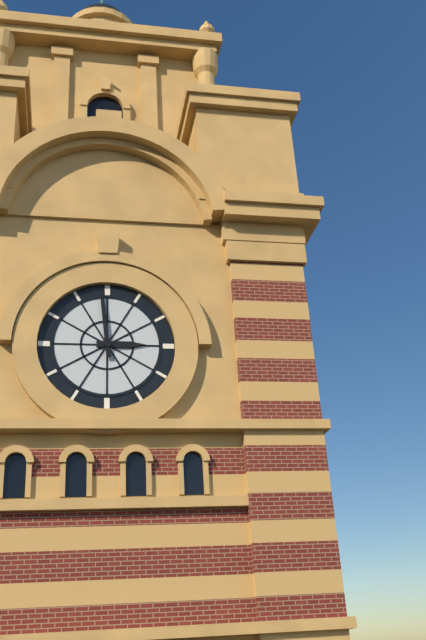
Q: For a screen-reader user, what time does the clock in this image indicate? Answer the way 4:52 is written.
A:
2:59
